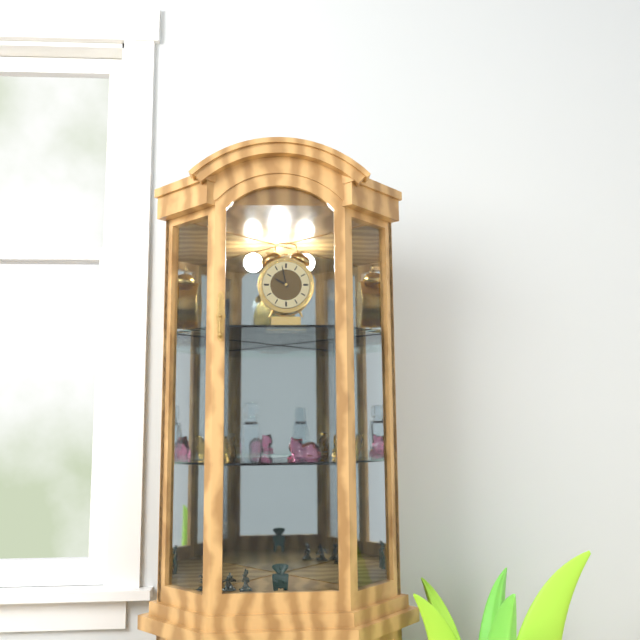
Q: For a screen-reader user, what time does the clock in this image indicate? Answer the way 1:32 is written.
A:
9:58
